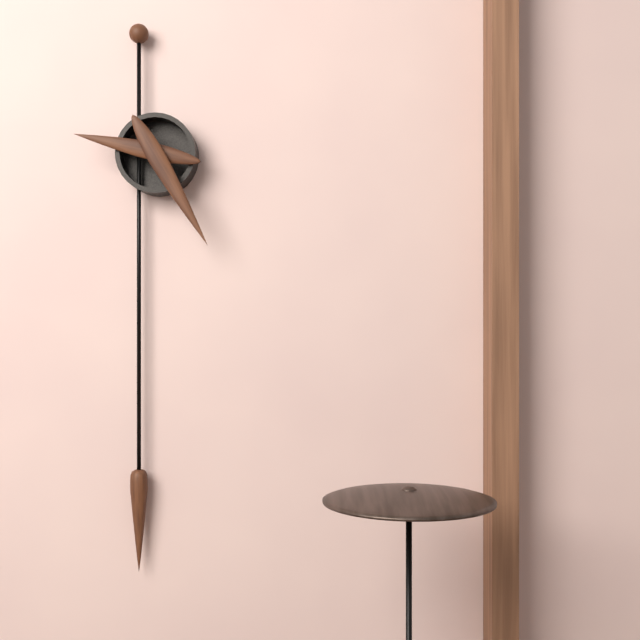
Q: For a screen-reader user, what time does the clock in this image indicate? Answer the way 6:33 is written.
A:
9:25
